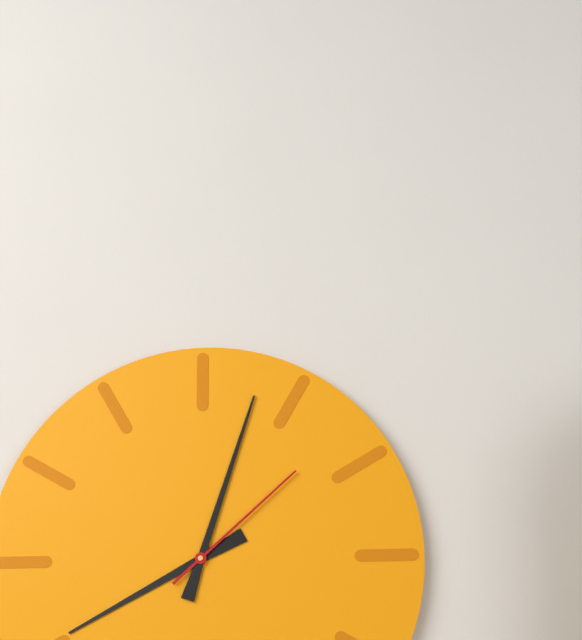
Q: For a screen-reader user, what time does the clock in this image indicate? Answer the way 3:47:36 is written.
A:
8:03:08
